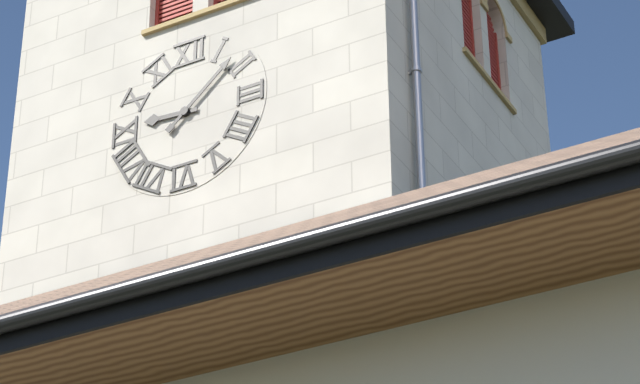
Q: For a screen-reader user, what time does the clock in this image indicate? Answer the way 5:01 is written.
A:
9:08
